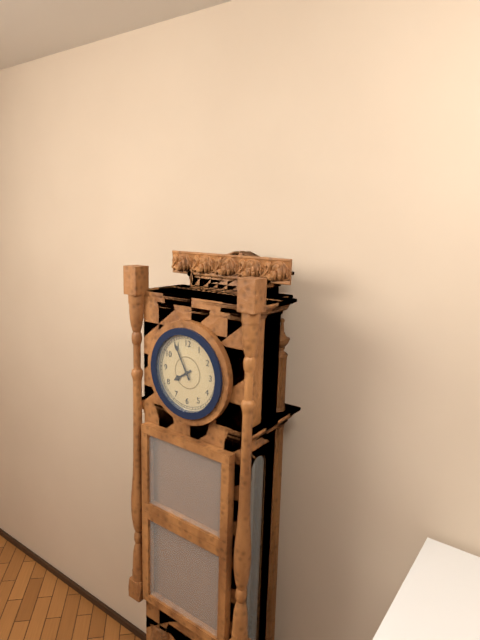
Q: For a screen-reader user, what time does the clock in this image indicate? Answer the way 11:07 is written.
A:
7:55
